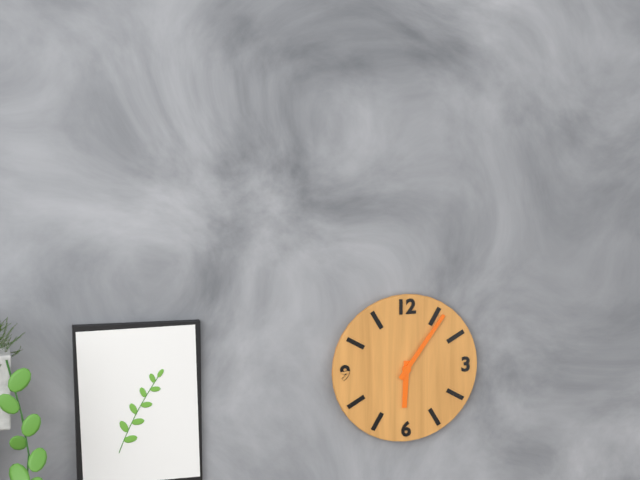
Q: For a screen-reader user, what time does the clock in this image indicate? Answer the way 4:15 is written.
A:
6:06
